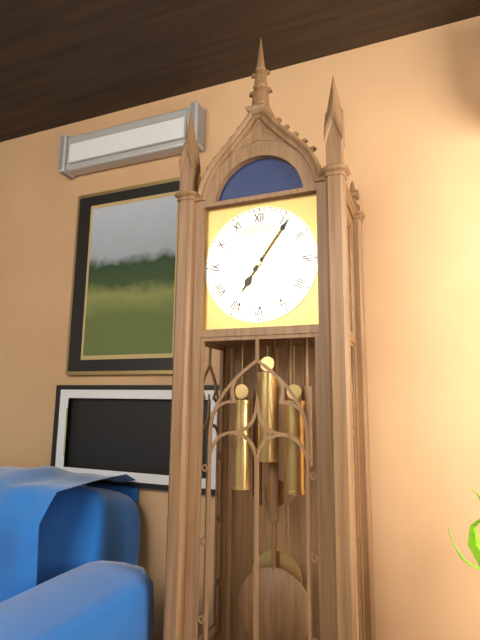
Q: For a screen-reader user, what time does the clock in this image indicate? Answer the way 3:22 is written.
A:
7:06
